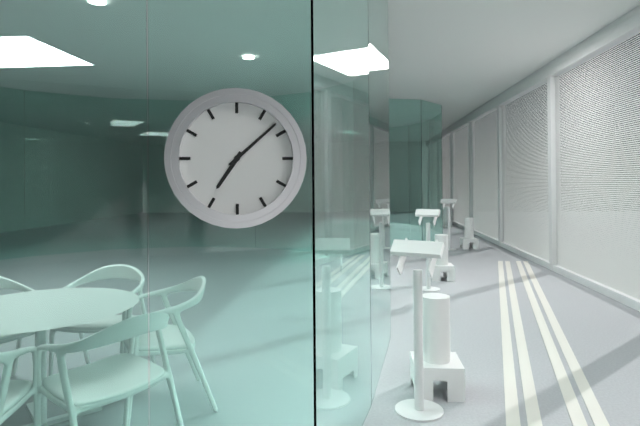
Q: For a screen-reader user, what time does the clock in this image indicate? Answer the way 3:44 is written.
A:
7:08
